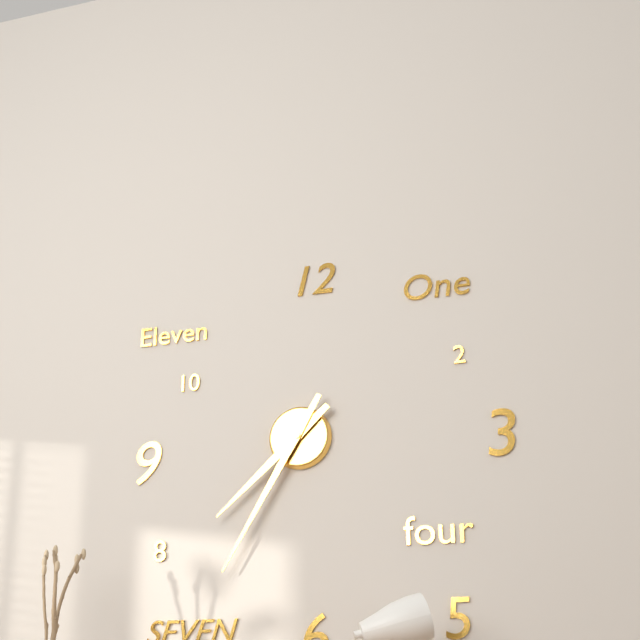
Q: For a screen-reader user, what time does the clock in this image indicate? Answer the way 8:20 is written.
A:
7:35
